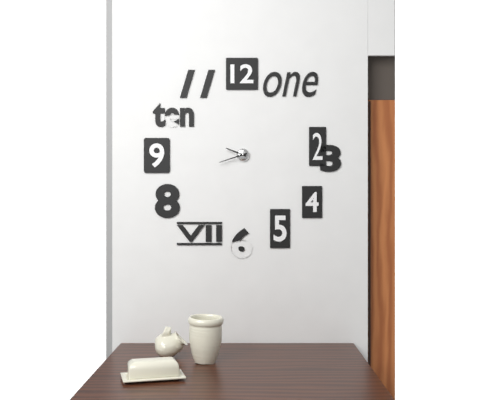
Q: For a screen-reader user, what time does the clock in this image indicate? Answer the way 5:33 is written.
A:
9:42
